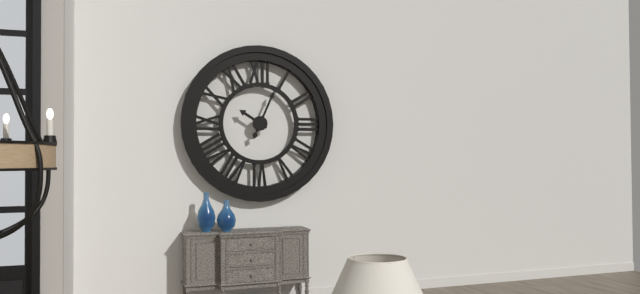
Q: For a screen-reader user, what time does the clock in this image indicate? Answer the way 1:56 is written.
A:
10:04
